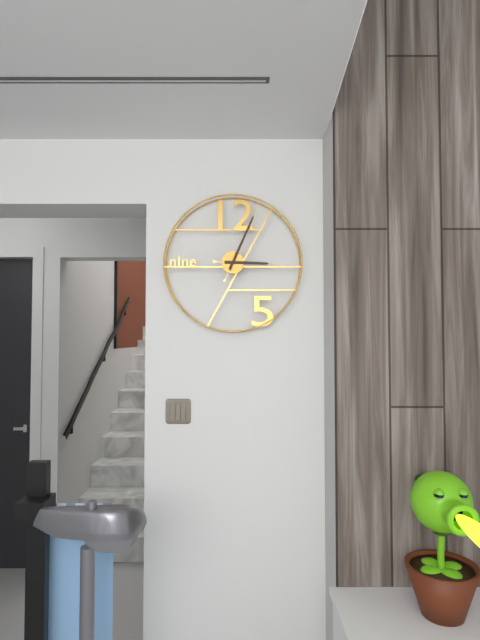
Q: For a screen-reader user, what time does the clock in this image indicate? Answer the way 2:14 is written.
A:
3:04
